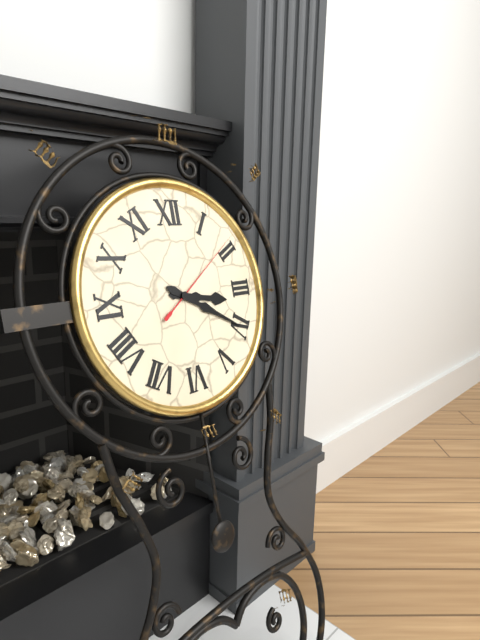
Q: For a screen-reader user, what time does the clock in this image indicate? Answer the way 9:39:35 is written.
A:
3:20:09
